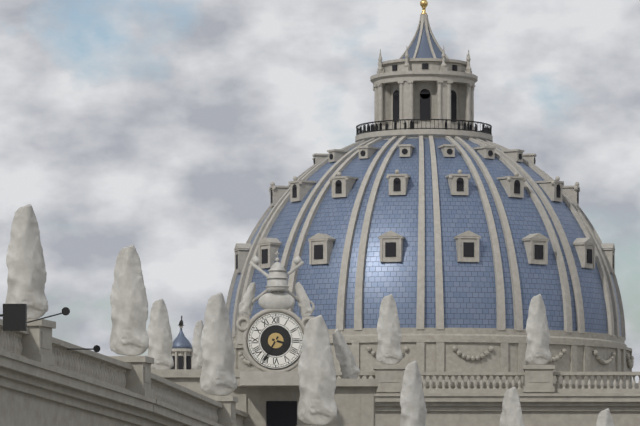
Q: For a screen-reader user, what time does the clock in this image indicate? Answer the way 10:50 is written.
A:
3:35
